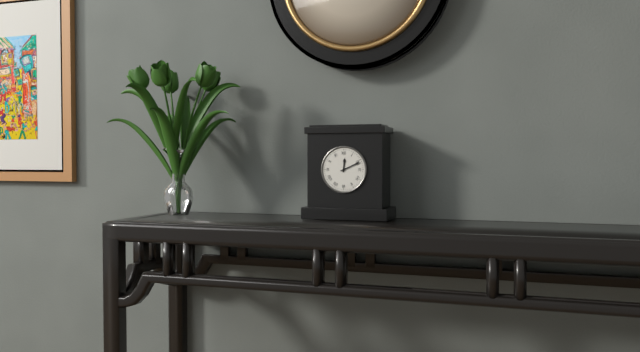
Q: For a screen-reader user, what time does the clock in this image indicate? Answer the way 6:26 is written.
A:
12:11
